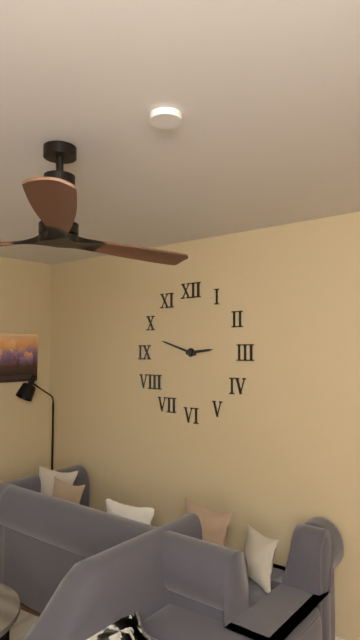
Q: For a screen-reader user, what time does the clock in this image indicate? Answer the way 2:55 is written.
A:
2:48
